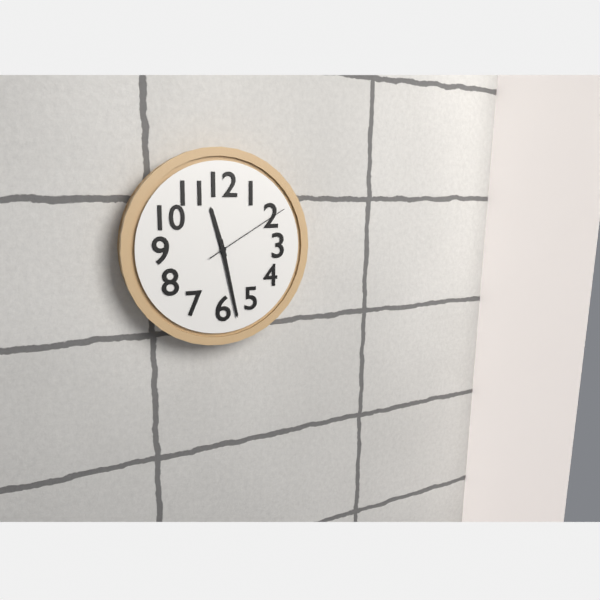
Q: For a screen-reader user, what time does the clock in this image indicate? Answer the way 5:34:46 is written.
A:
11:28:10
